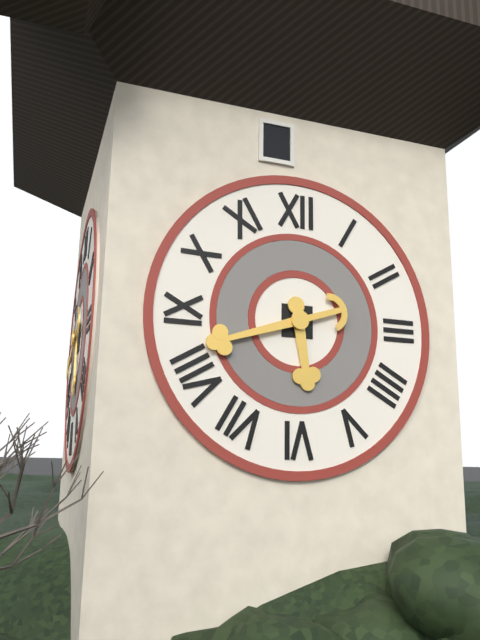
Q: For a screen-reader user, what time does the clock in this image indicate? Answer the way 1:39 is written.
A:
5:42
